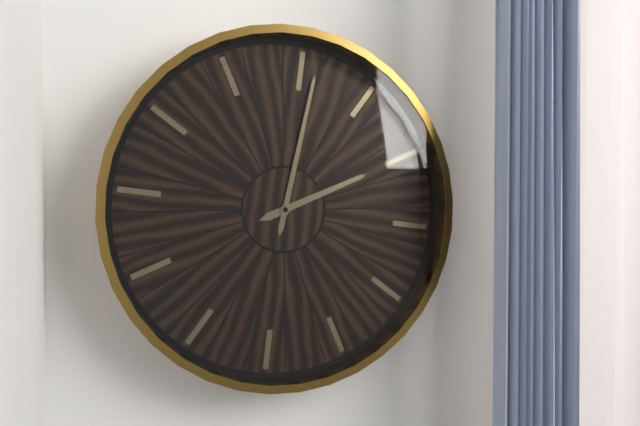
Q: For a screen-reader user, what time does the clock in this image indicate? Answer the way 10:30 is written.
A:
2:01
